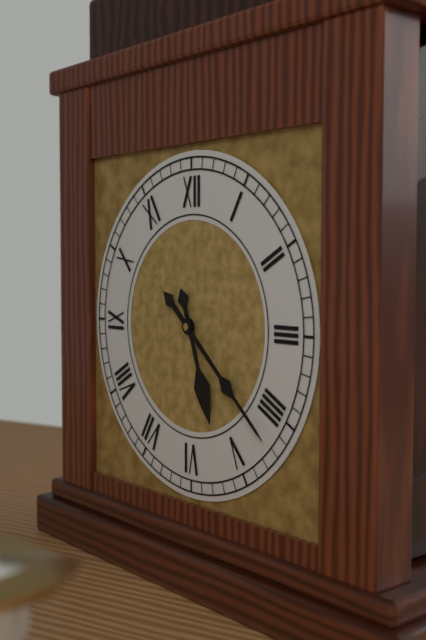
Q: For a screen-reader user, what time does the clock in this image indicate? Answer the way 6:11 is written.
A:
5:22
